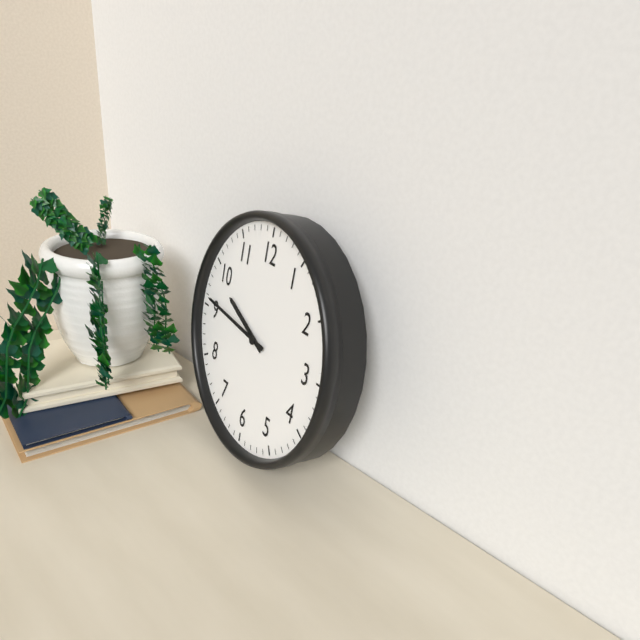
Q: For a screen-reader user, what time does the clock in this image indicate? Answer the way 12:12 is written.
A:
9:46
